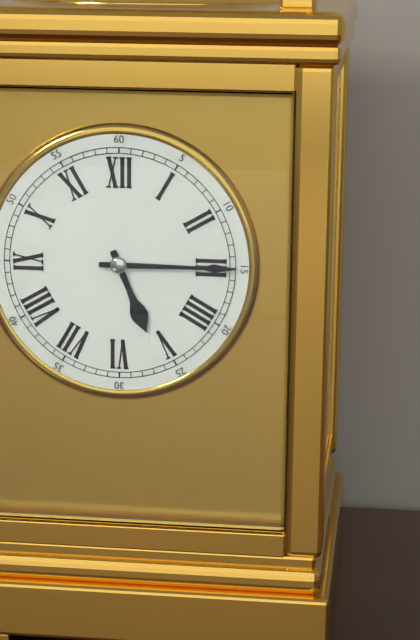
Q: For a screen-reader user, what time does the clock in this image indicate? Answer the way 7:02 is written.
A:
5:15
